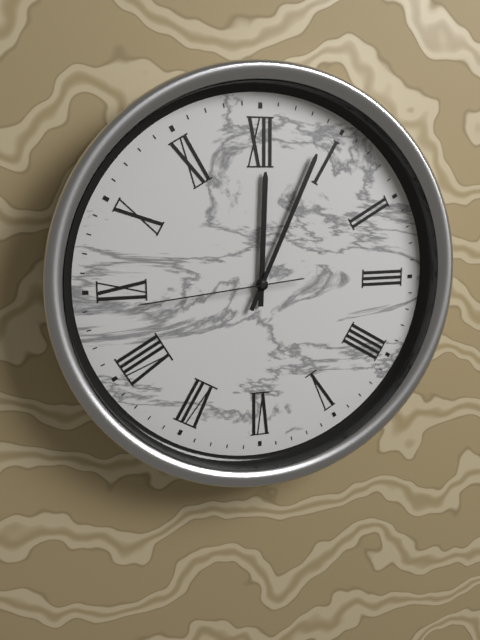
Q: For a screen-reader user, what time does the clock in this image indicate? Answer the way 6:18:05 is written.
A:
12:04:44
